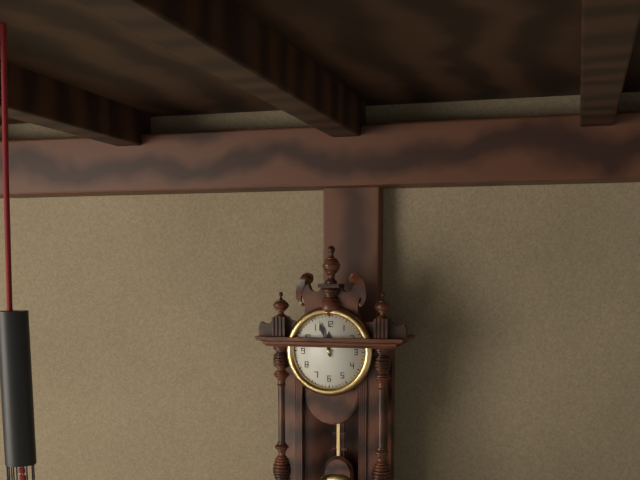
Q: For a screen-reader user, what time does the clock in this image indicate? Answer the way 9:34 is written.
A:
11:57
